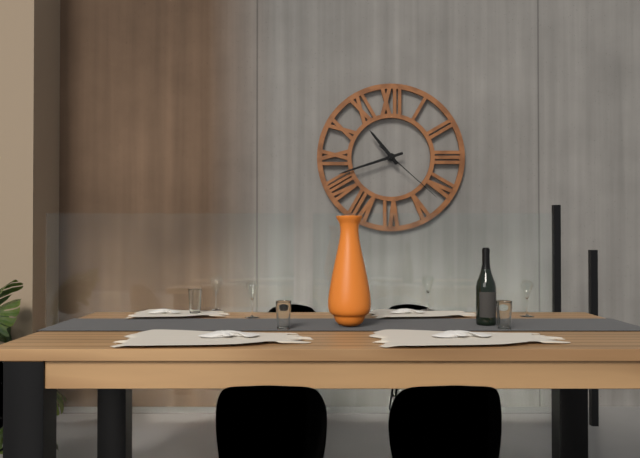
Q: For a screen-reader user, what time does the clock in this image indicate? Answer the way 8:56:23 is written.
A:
10:42:22
